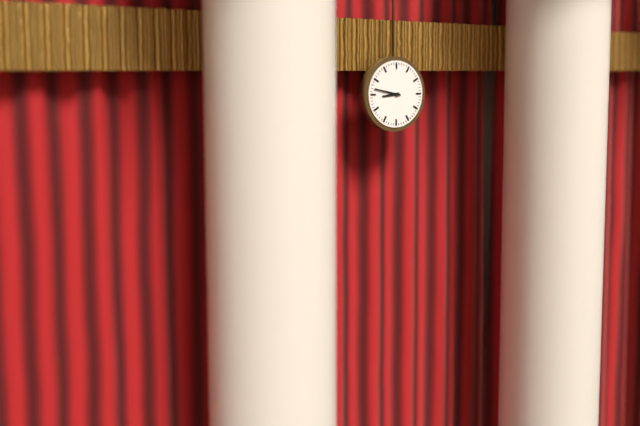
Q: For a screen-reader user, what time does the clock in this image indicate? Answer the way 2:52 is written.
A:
8:47
